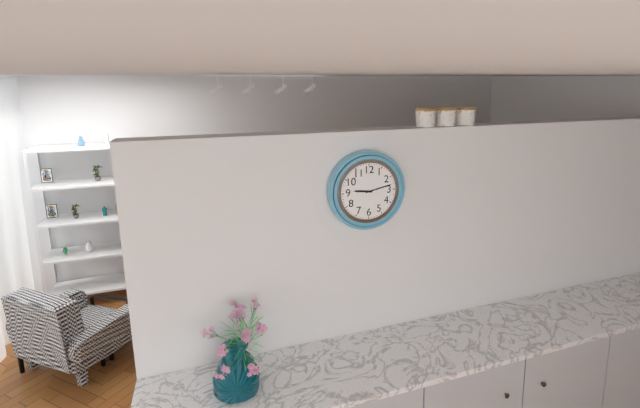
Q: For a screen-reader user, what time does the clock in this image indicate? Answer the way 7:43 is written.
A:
9:13
